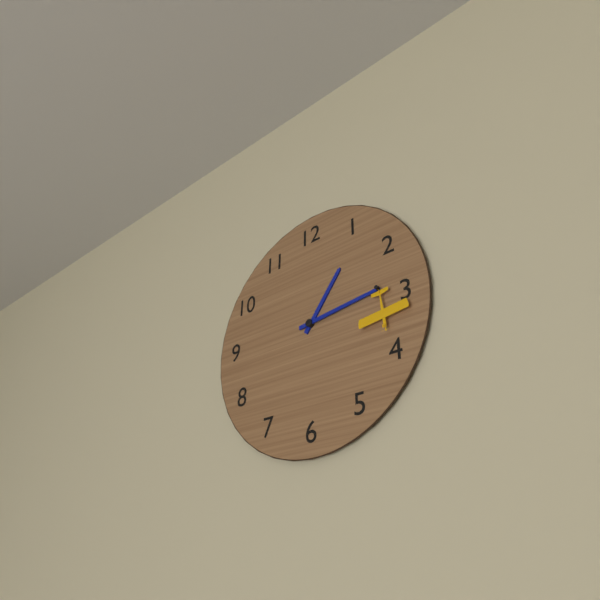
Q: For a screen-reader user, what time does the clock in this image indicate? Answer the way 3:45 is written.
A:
1:14
